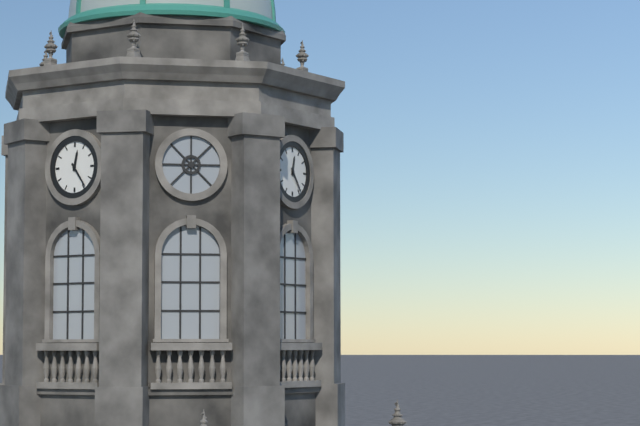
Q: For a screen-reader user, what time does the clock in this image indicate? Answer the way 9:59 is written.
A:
12:24
